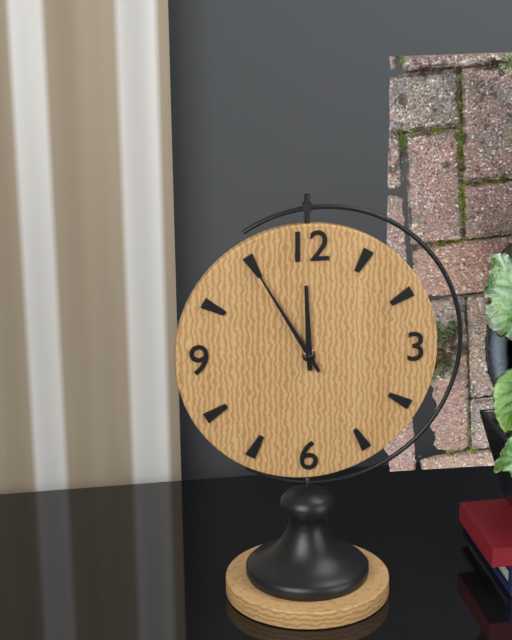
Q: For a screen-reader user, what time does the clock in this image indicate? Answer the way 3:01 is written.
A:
11:55
